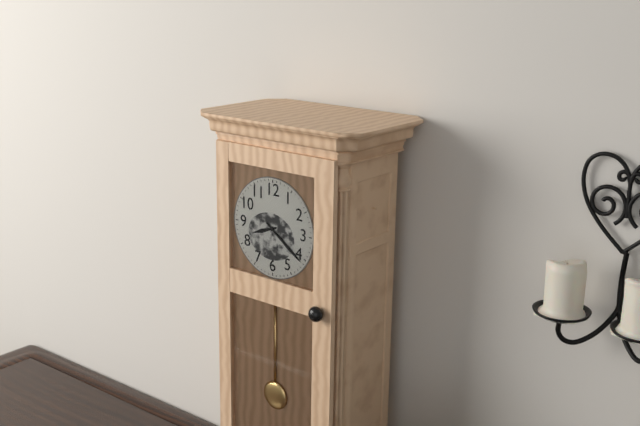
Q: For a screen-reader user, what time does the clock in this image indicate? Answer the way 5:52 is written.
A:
8:21
